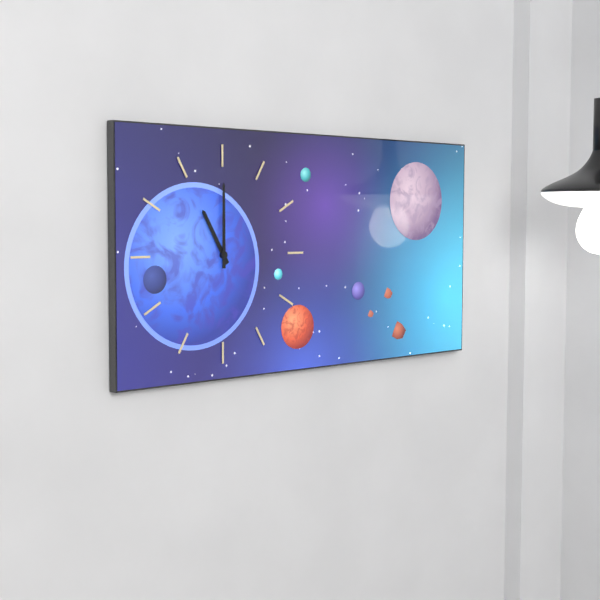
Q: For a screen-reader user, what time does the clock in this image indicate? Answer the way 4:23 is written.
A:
11:00
